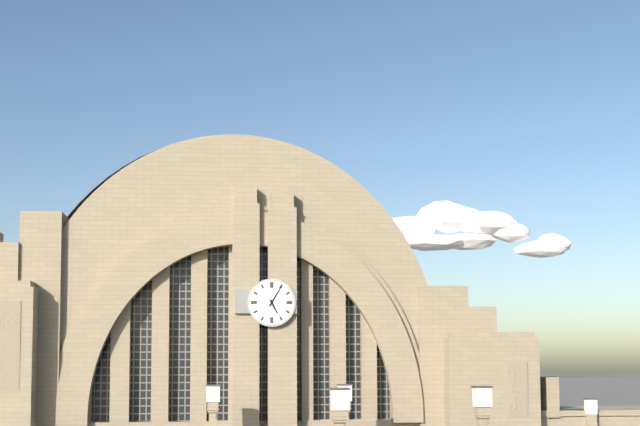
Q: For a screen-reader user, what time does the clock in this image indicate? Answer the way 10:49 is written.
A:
5:05
